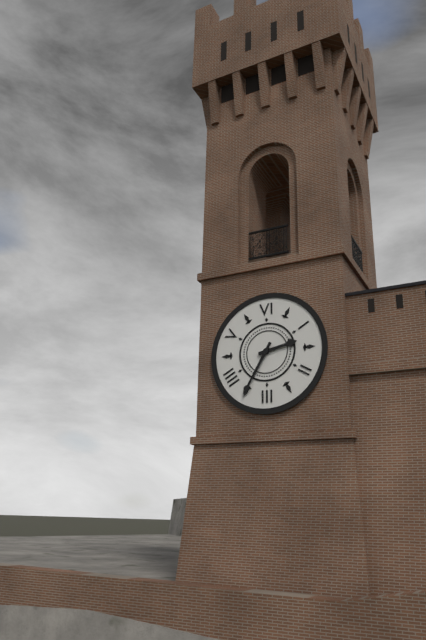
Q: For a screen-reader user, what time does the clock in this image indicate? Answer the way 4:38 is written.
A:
2:35
